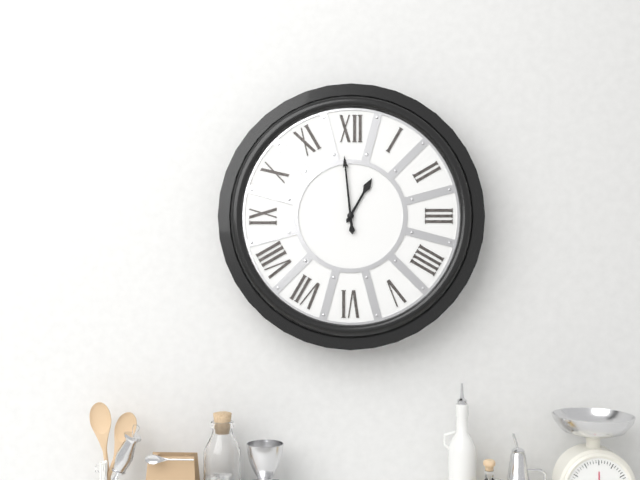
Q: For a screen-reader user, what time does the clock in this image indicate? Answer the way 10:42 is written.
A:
12:59
